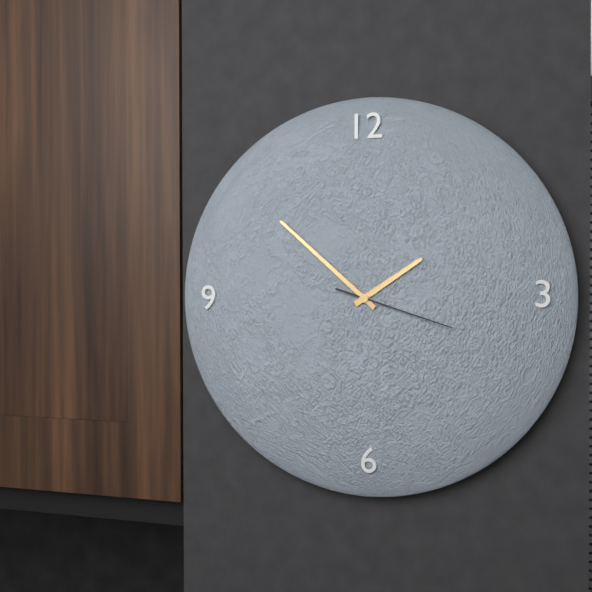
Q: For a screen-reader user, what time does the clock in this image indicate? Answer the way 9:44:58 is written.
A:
1:52:18
